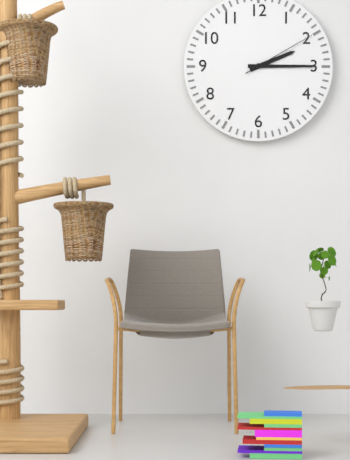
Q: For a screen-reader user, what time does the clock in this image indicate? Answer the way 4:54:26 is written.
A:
2:15:10
